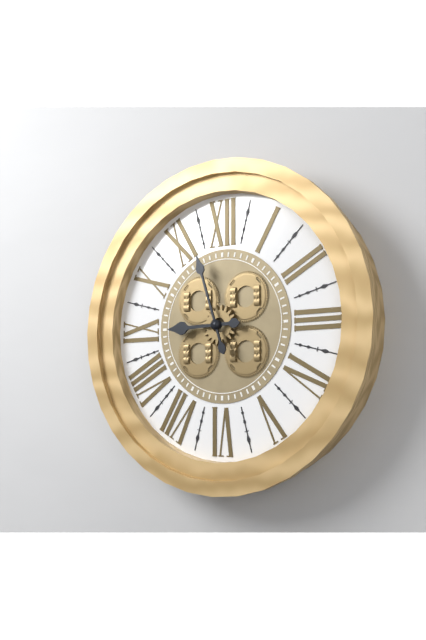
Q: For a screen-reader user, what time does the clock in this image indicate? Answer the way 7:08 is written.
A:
8:57
